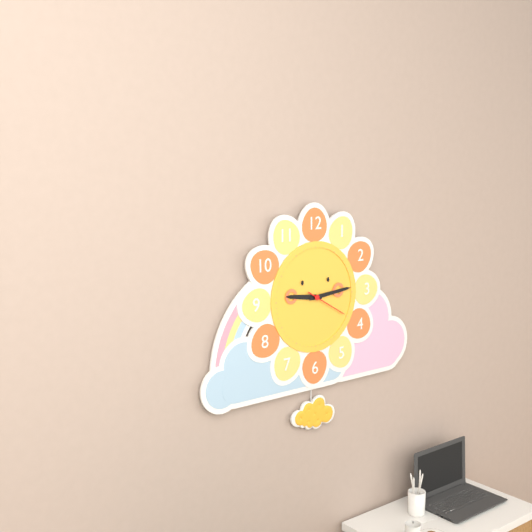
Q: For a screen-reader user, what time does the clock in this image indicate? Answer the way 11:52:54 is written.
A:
9:14:20
